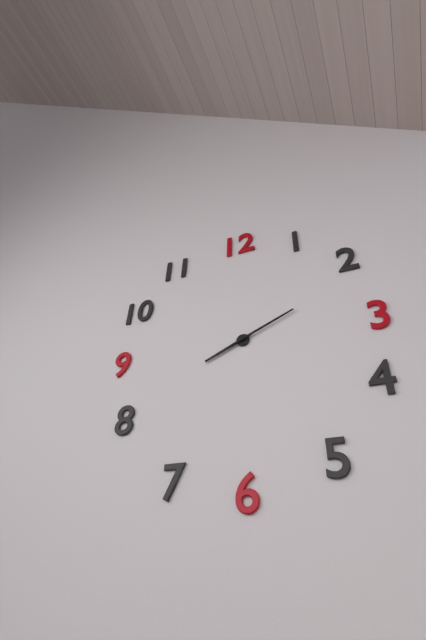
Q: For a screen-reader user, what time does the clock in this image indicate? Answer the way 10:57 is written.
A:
8:11
